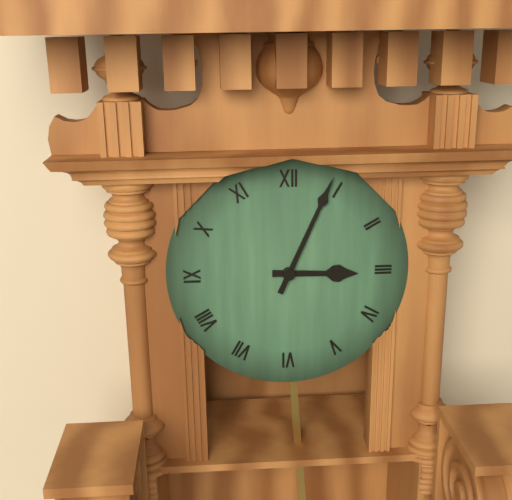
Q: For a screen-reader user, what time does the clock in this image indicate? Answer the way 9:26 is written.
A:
3:04
